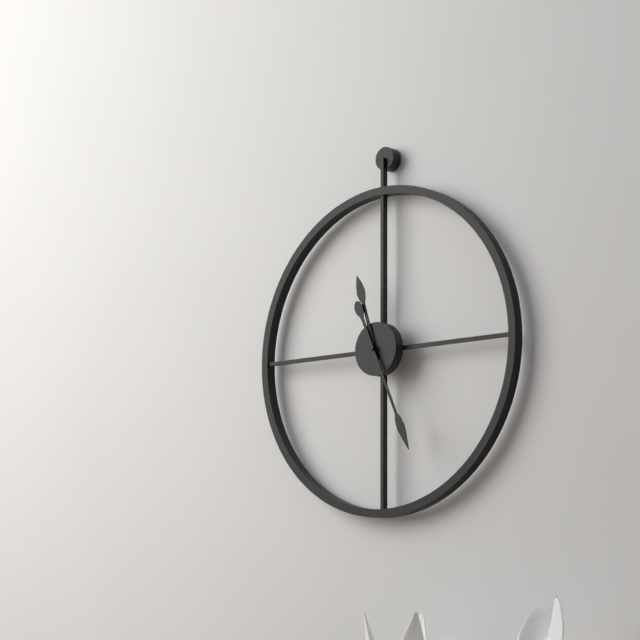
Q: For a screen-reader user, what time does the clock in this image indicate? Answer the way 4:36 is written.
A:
11:26
